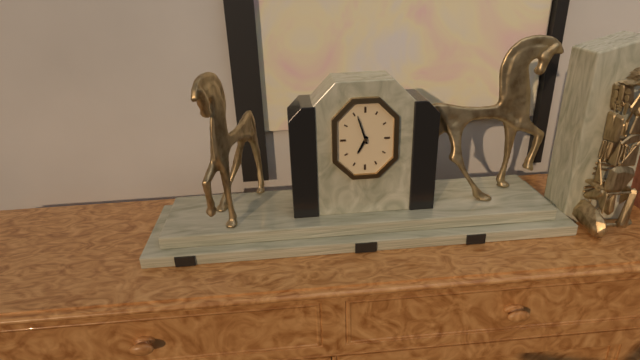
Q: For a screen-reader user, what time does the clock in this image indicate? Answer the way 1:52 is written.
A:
6:57
